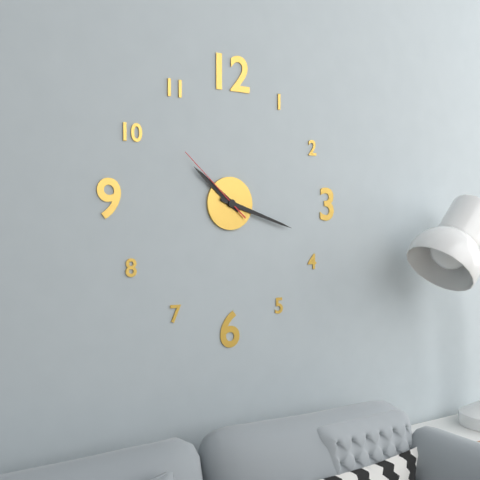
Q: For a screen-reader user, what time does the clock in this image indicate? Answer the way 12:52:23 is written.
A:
10:18:52
